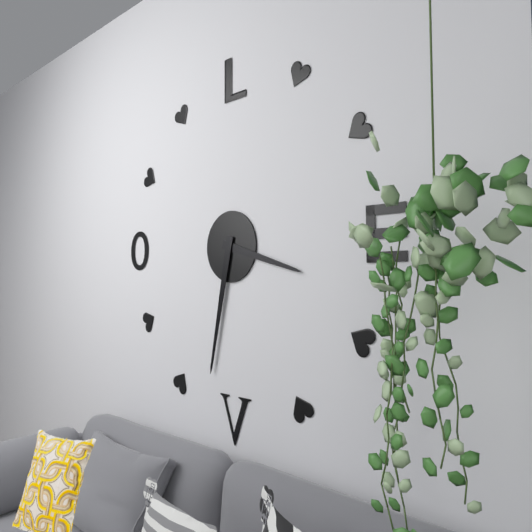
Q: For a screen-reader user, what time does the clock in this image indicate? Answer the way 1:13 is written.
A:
3:32
